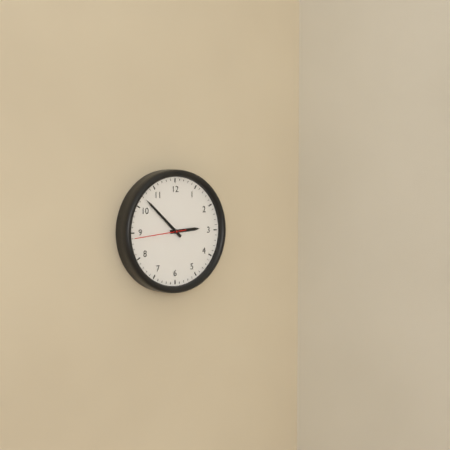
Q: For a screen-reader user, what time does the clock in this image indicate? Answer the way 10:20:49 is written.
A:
2:52:44
